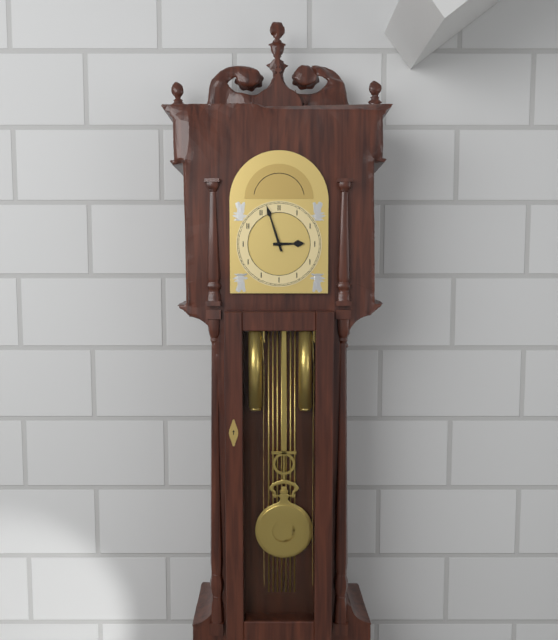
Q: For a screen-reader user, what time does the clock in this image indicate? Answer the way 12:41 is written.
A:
2:57
